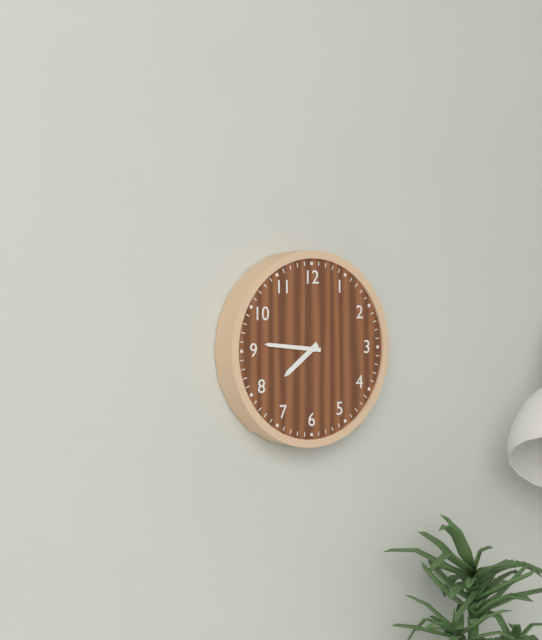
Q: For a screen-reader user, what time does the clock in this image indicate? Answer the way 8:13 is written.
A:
7:46
